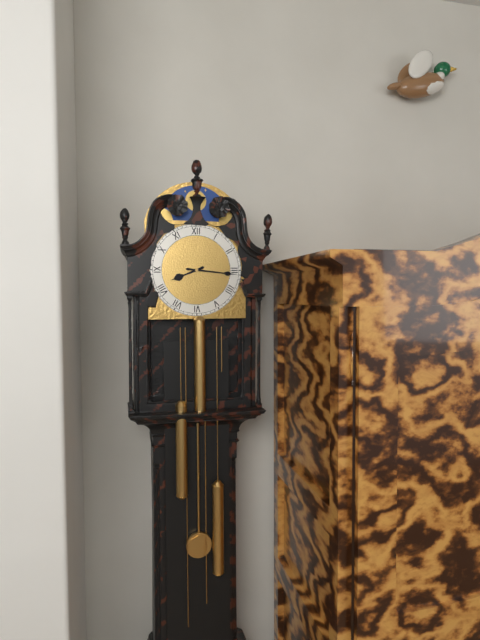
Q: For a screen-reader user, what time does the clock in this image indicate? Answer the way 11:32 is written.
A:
8:16
